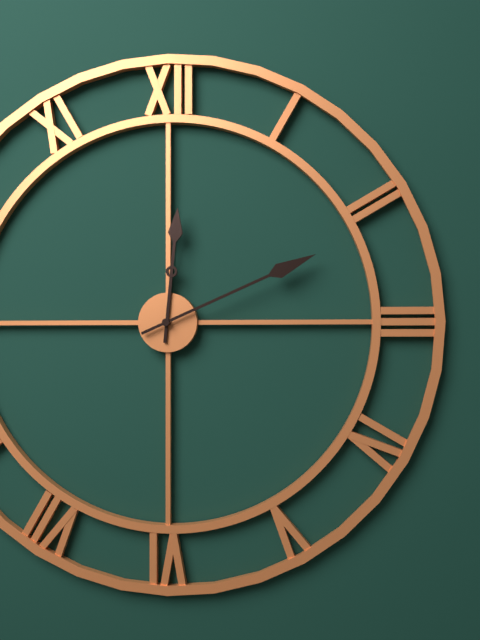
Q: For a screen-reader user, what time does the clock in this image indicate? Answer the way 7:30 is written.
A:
12:11
